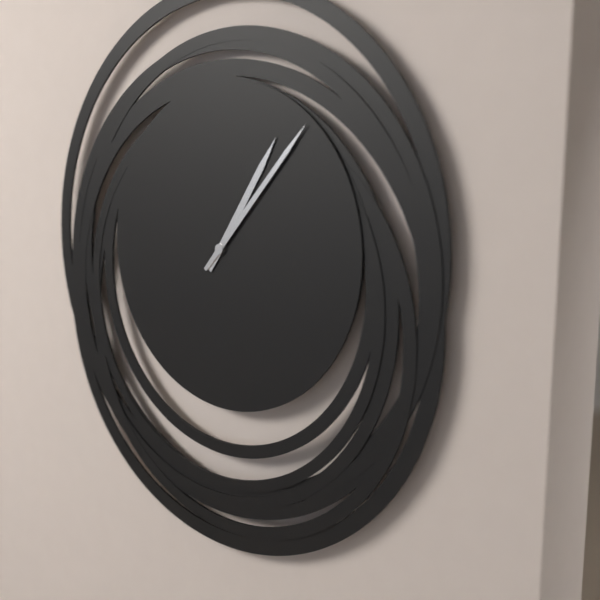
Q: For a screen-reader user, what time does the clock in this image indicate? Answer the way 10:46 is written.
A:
1:07
